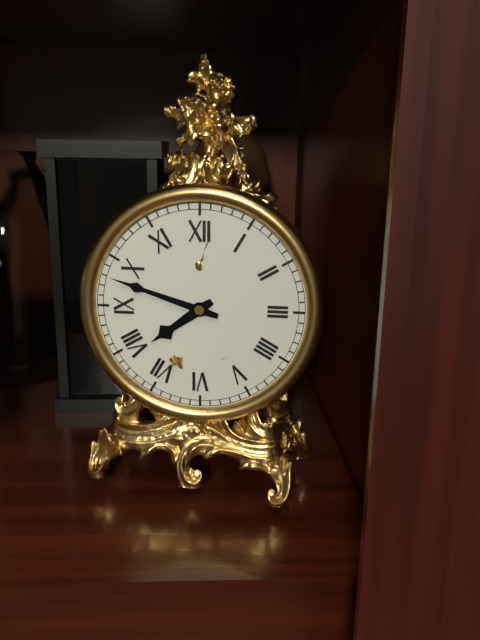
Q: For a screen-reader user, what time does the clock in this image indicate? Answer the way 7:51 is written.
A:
7:48
